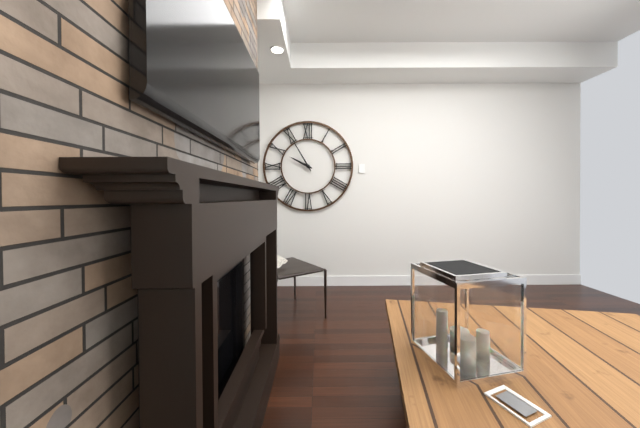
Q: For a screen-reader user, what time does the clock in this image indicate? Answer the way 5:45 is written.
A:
9:55
